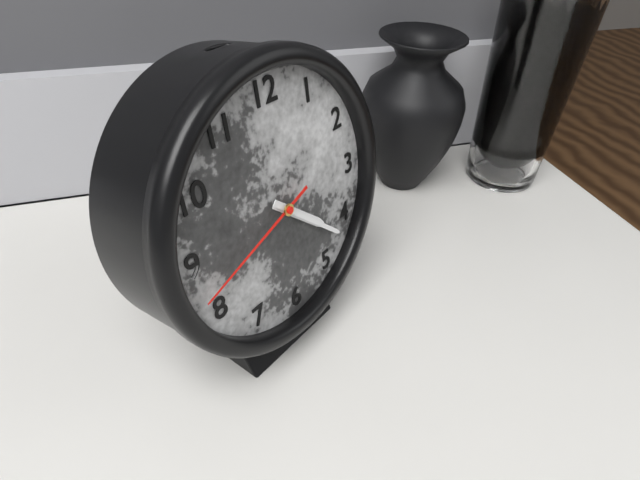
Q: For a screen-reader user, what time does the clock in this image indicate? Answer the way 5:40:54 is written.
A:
4:22:42
